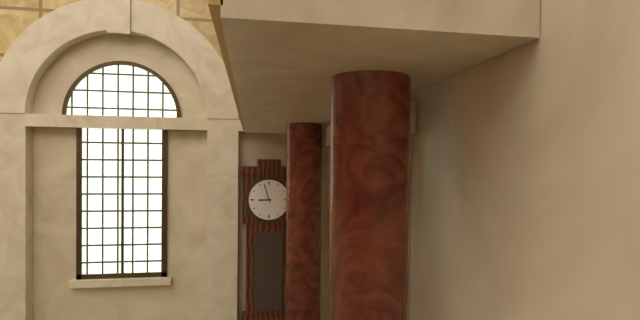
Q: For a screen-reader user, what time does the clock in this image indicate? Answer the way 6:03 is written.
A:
8:57
